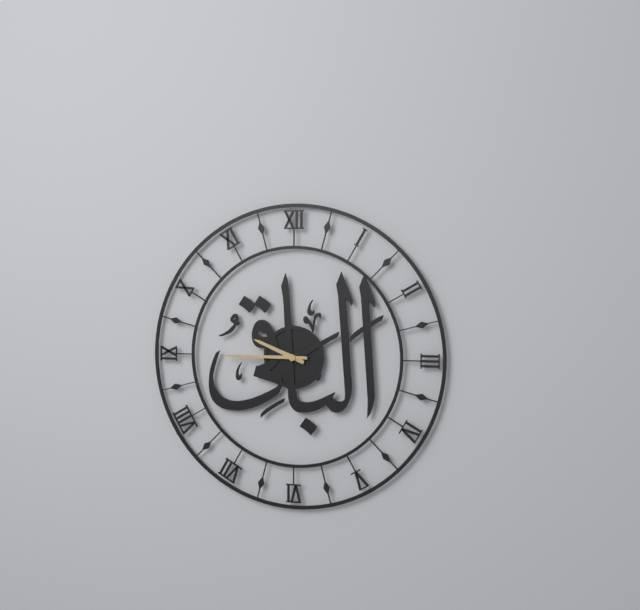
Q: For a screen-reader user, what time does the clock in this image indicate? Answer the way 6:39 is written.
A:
9:45
